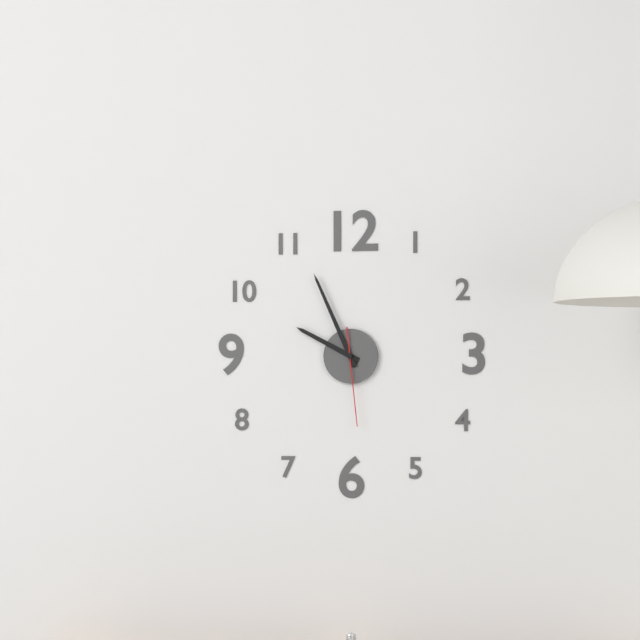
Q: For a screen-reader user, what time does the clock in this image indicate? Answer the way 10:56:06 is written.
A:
9:56:29
